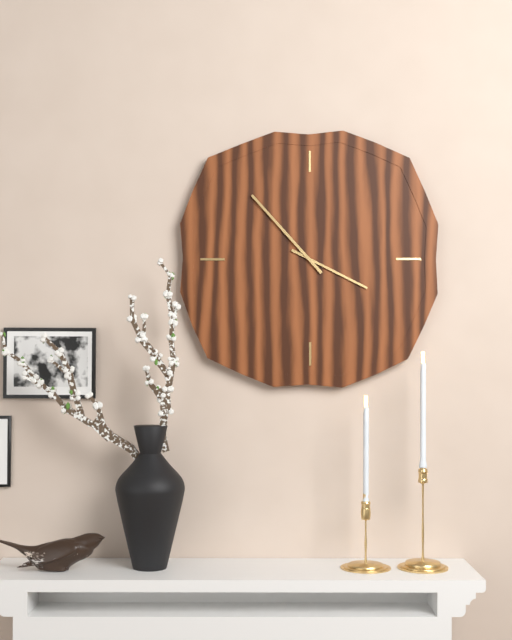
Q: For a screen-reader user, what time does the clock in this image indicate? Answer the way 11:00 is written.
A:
3:53
